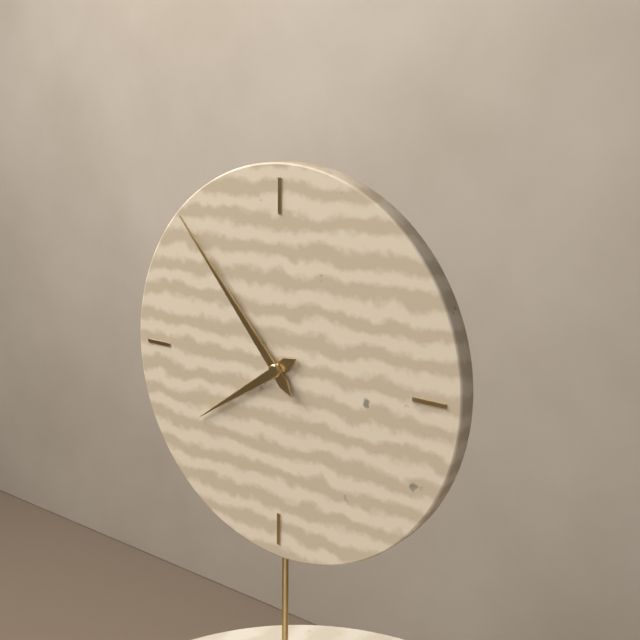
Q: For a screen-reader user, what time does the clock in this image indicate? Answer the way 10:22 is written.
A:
7:53
